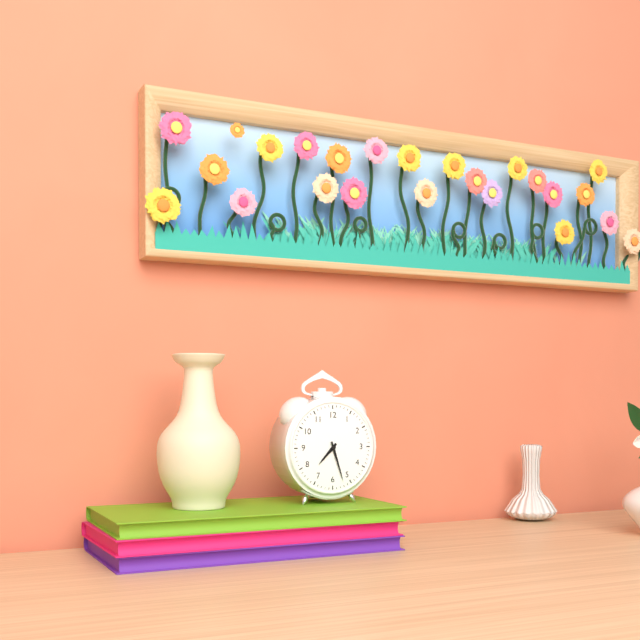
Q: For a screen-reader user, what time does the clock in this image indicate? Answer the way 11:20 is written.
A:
7:27
